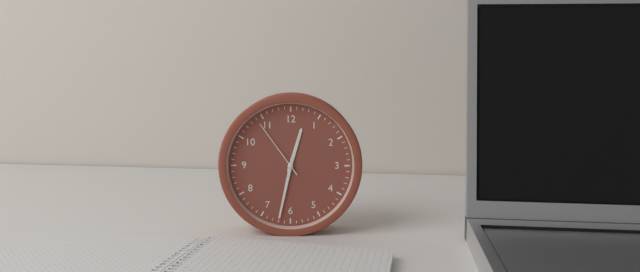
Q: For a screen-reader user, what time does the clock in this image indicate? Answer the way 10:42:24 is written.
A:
12:32:54
